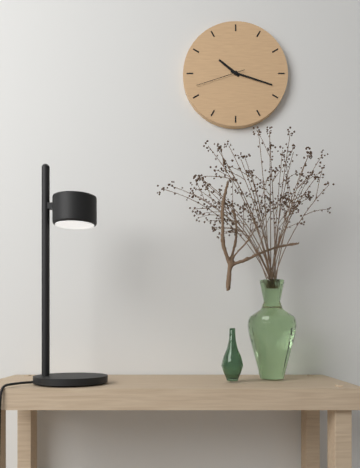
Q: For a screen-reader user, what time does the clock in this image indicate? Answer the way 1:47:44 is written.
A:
10:18:42
